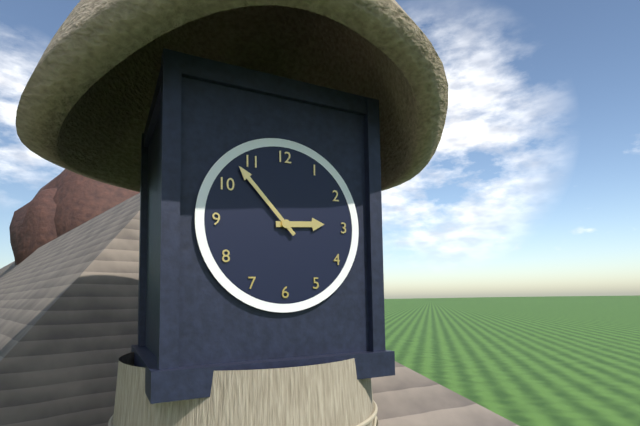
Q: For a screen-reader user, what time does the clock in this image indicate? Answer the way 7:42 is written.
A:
2:53
